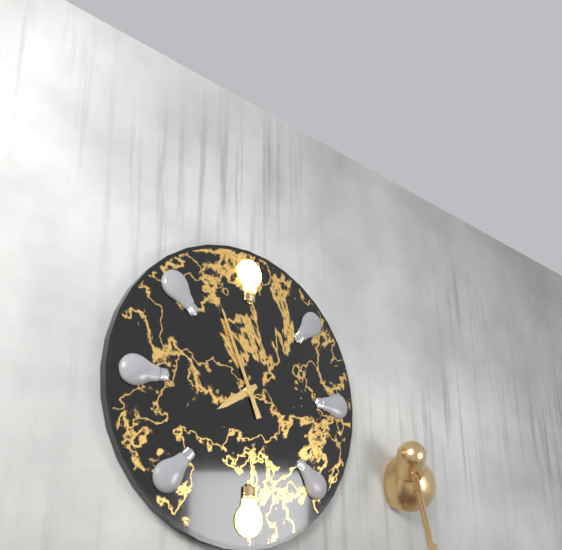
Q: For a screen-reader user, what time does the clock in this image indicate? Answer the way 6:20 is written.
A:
7:56
